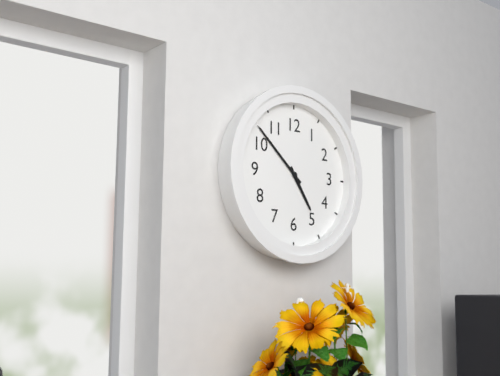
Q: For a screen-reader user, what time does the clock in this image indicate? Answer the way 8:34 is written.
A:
4:52
